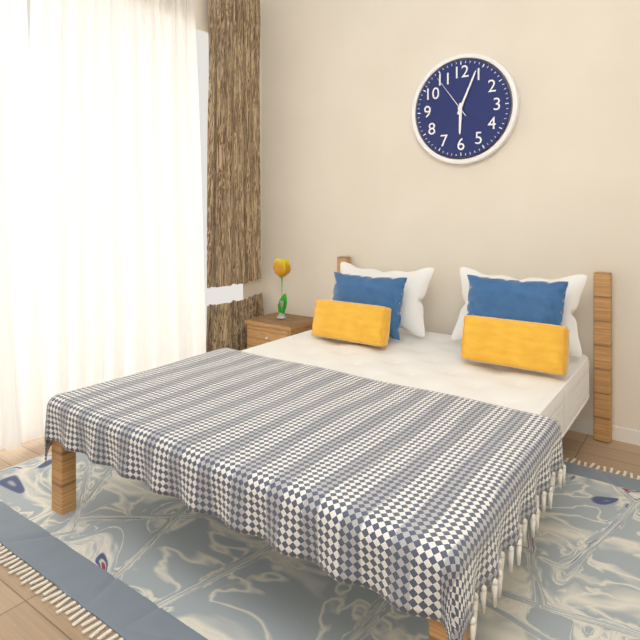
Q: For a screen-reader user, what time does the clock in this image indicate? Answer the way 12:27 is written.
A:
6:04
